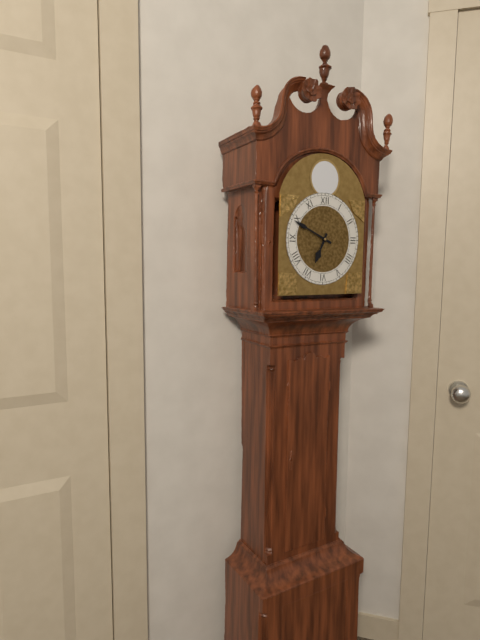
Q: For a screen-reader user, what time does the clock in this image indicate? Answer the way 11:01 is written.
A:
6:49
